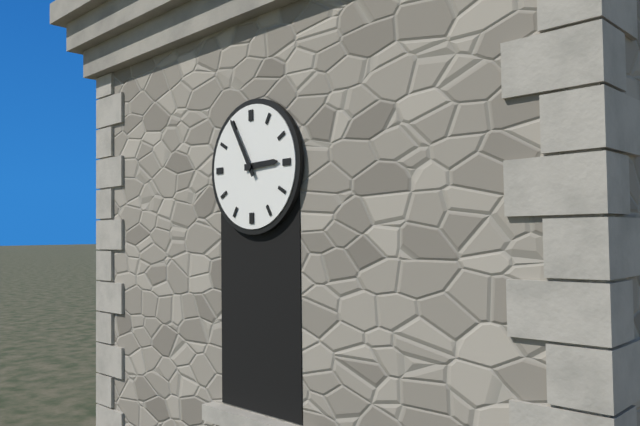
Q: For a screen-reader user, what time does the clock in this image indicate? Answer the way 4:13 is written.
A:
2:55
